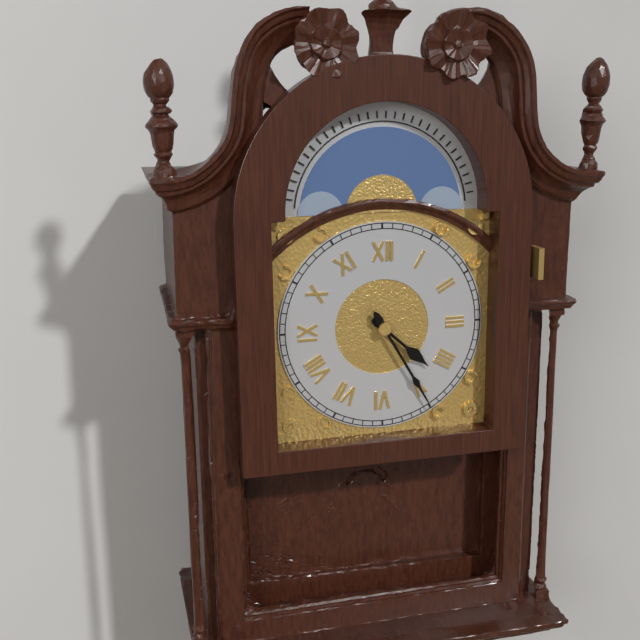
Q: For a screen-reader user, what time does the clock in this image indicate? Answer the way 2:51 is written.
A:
4:25
